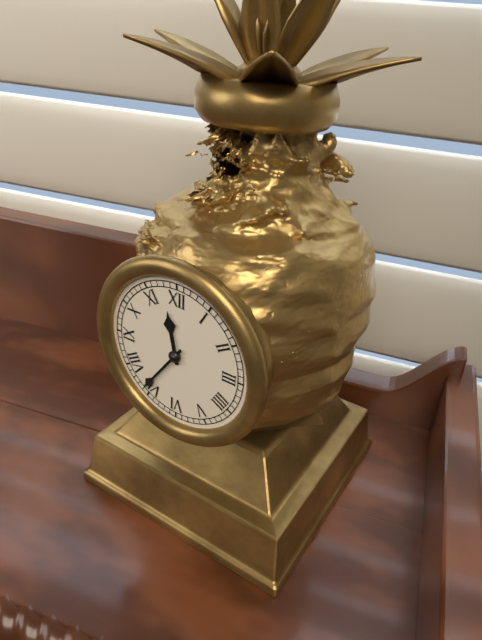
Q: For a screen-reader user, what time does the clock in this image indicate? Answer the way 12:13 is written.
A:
11:36
